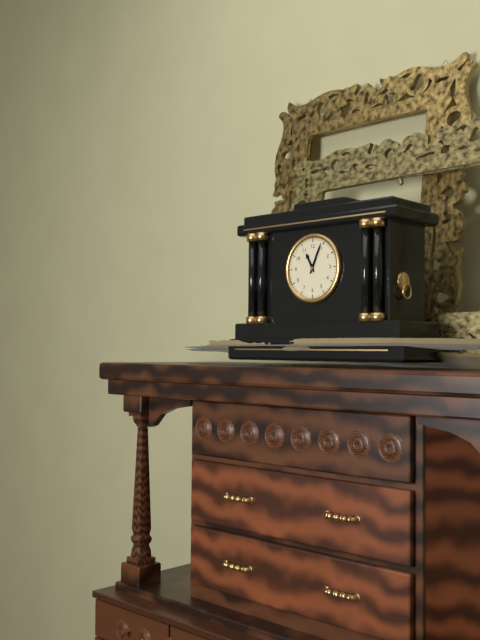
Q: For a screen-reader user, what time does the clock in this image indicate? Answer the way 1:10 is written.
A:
11:04
